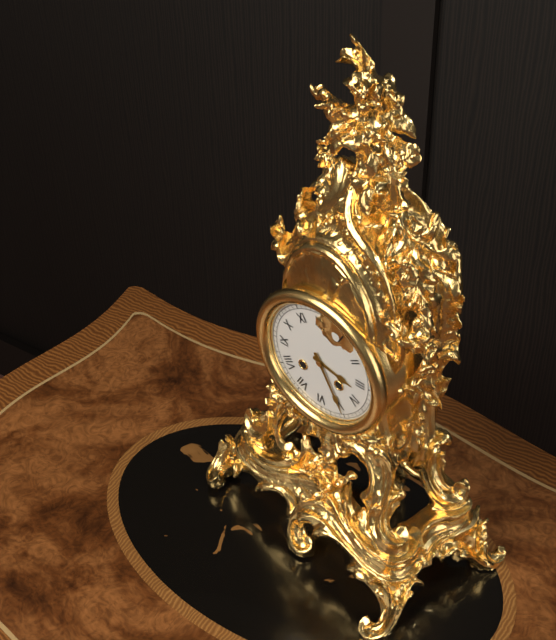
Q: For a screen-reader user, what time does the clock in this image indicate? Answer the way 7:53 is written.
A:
3:25
